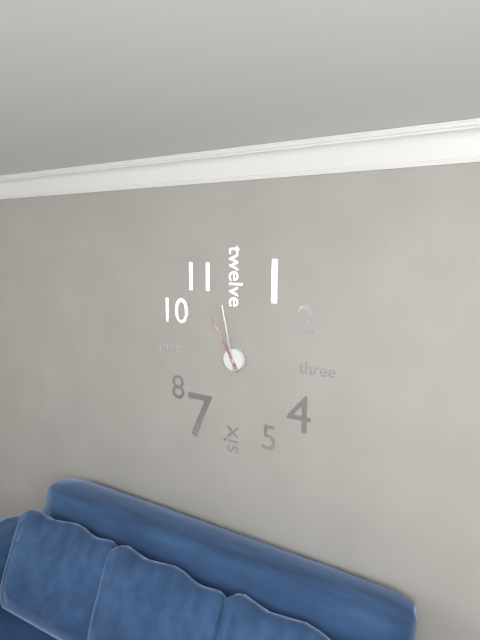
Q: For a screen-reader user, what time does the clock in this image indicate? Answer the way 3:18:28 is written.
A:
10:58:55
